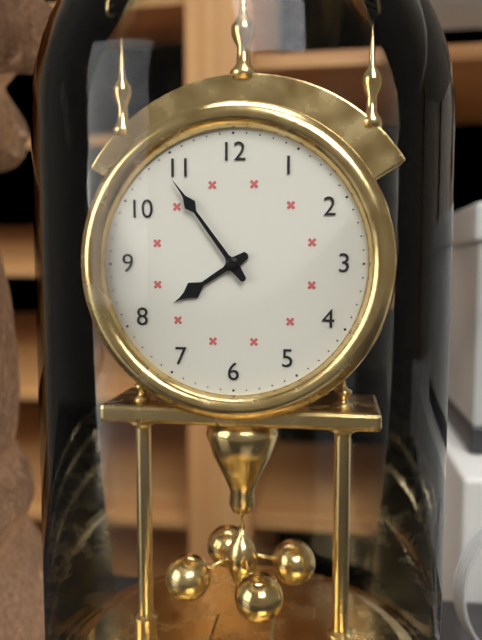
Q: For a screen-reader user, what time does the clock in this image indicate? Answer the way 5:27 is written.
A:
7:54
